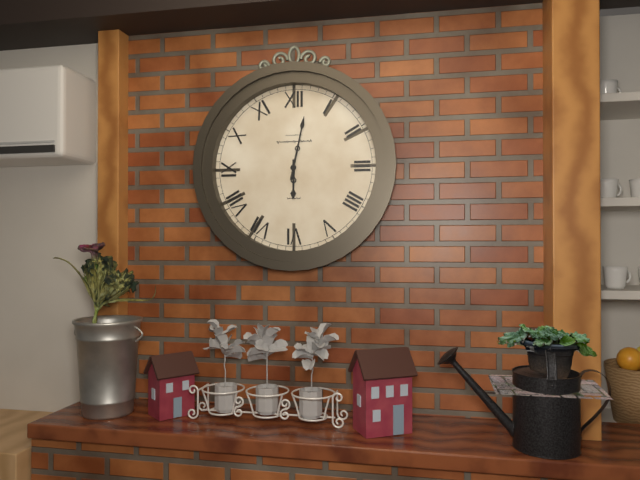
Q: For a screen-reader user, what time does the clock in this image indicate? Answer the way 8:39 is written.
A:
6:02
